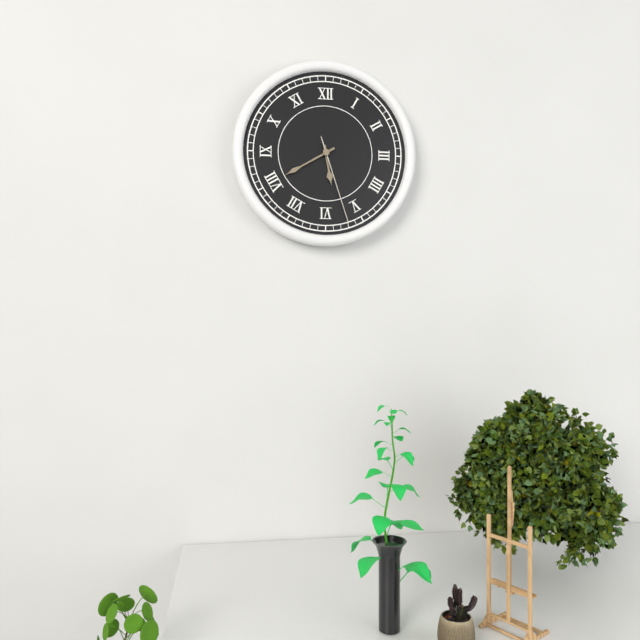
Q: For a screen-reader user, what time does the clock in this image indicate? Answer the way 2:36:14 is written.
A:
5:40:27
